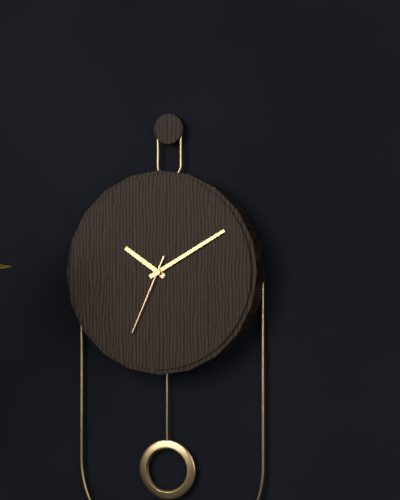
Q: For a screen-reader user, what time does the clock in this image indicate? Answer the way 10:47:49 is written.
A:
10:10:34
